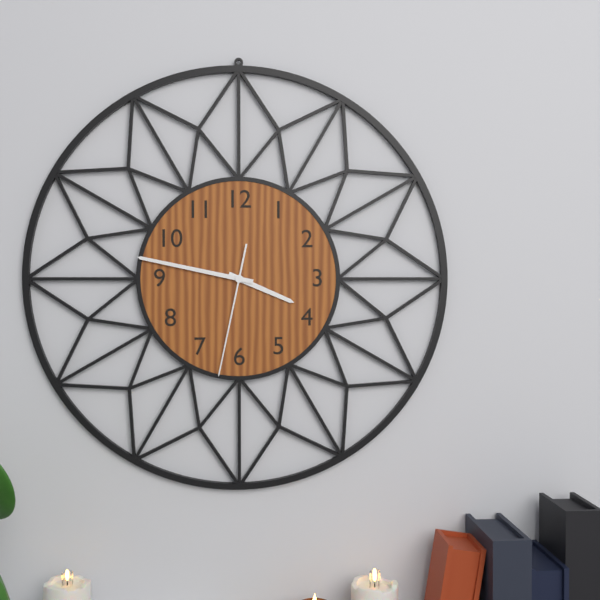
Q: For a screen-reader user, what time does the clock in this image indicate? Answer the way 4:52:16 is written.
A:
3:47:32
